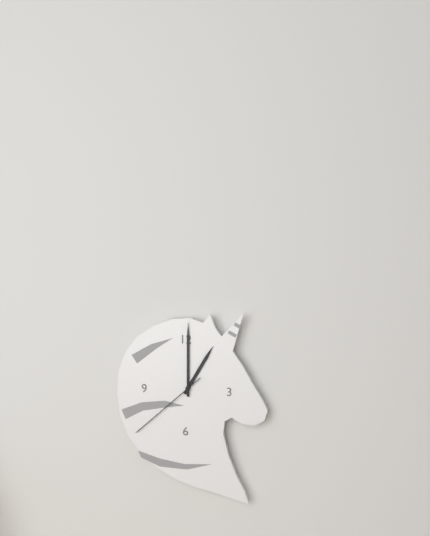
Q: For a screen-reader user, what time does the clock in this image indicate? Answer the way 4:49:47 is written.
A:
1:00:38
